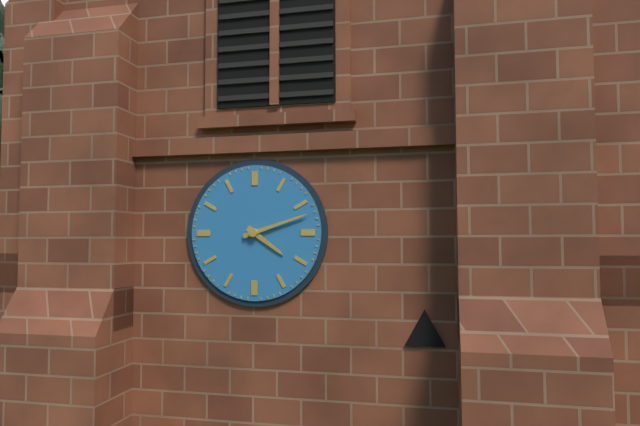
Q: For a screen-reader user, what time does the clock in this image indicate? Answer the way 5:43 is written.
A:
4:12
